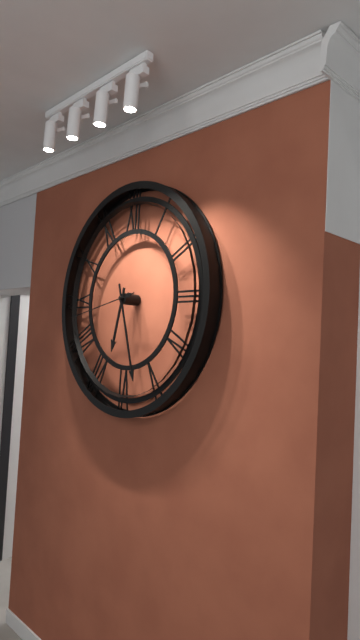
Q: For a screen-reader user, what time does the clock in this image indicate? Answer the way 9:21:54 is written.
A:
6:27:43
